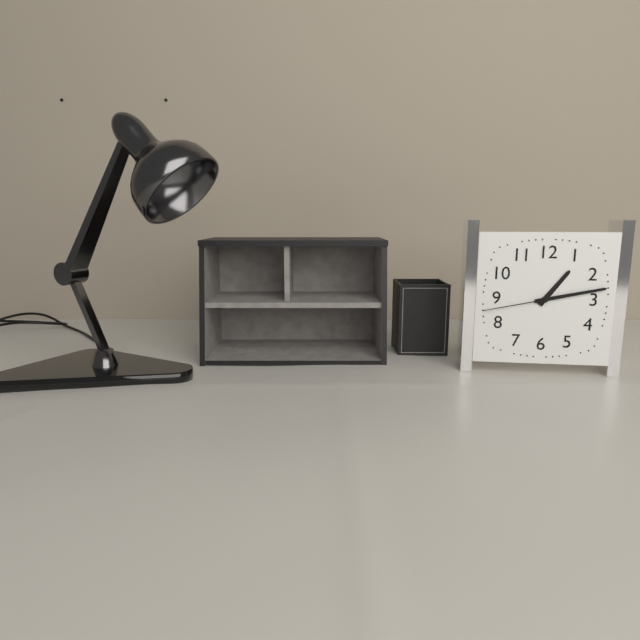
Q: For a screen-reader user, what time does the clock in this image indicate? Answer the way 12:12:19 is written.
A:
1:13:43
